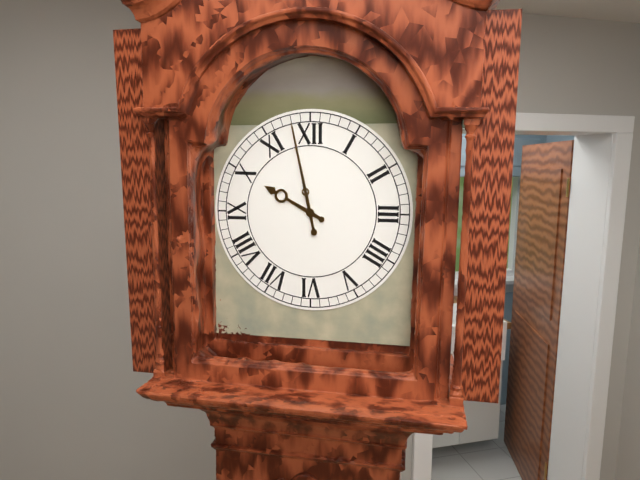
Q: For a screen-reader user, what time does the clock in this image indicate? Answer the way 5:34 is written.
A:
9:58
